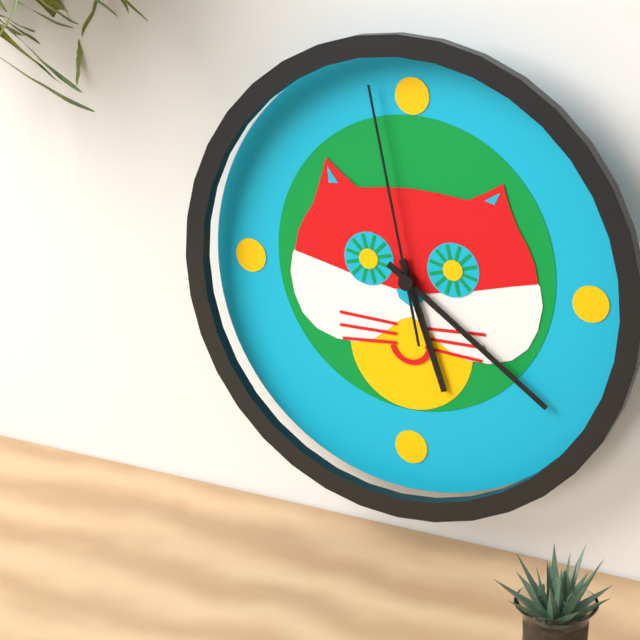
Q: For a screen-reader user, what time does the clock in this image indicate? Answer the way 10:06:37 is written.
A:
5:21:58
